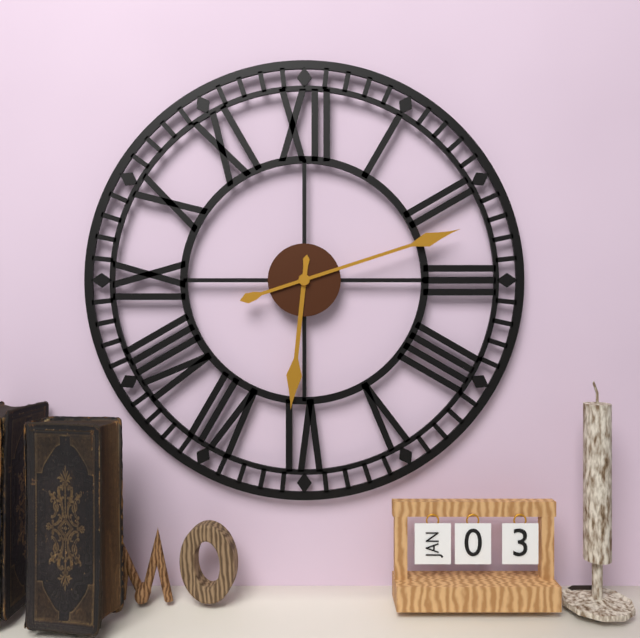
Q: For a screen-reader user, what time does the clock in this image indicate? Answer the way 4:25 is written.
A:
6:12
